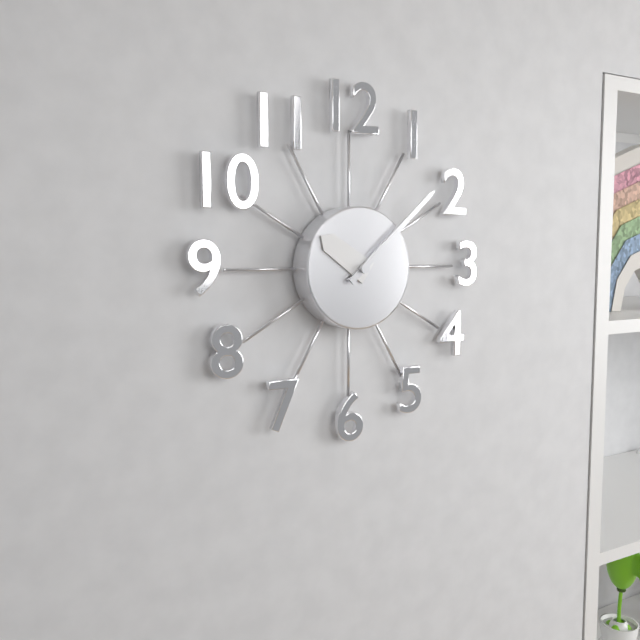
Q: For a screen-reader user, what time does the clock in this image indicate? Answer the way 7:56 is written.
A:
10:08
